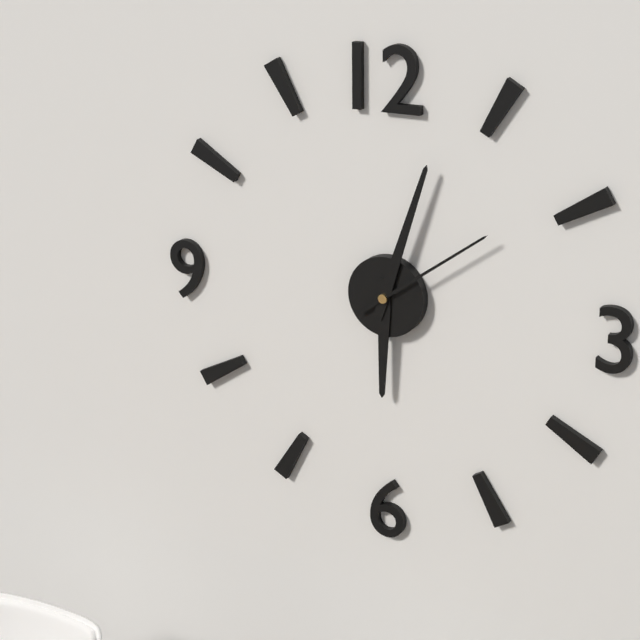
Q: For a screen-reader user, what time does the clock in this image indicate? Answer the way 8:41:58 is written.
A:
6:03:09
